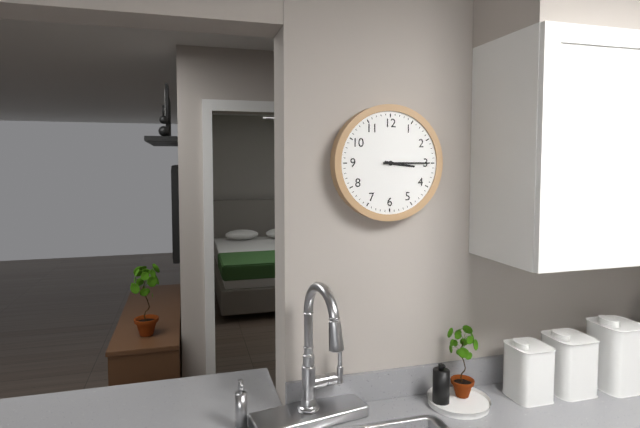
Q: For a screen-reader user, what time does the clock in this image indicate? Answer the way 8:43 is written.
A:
3:15
